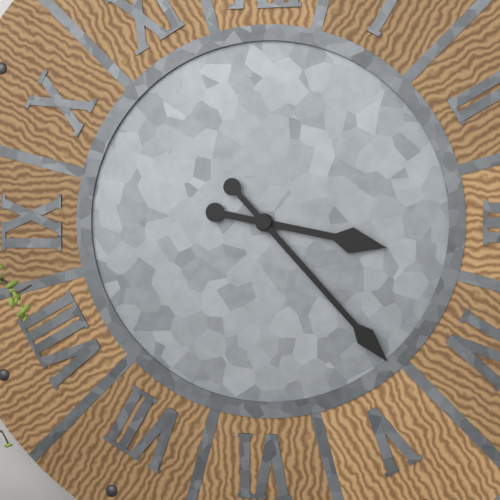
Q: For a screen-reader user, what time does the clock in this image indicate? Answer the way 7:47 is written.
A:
3:23
